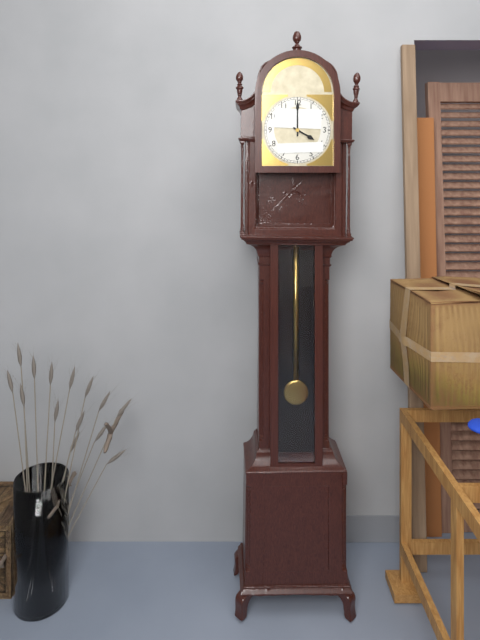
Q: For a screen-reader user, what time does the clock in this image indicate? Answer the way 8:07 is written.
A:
4:00
